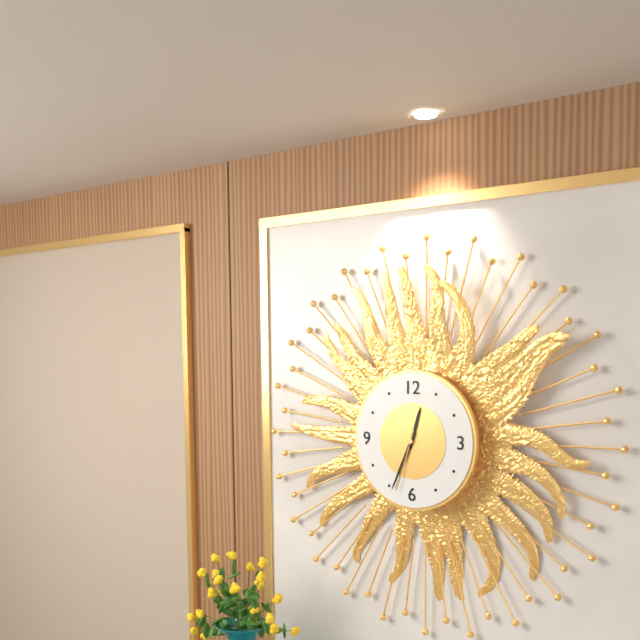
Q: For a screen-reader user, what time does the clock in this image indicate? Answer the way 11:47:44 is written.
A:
12:34:33
